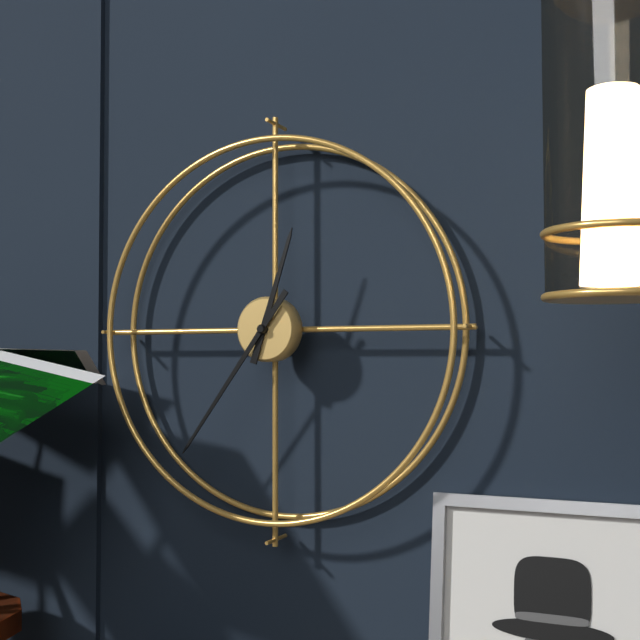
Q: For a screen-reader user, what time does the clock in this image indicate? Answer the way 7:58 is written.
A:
12:36
